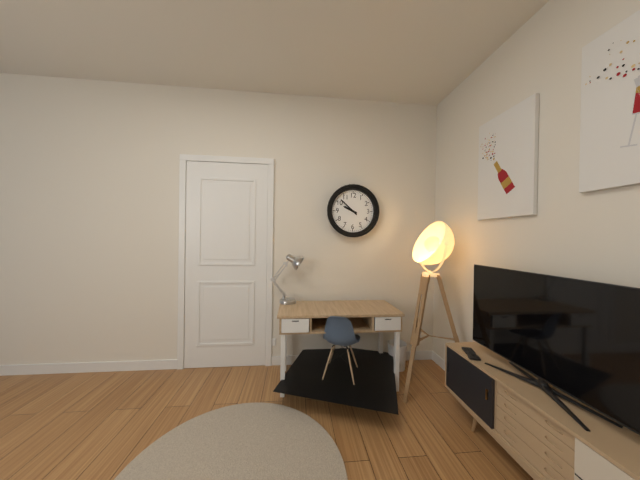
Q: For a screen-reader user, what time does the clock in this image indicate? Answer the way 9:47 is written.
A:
9:52
